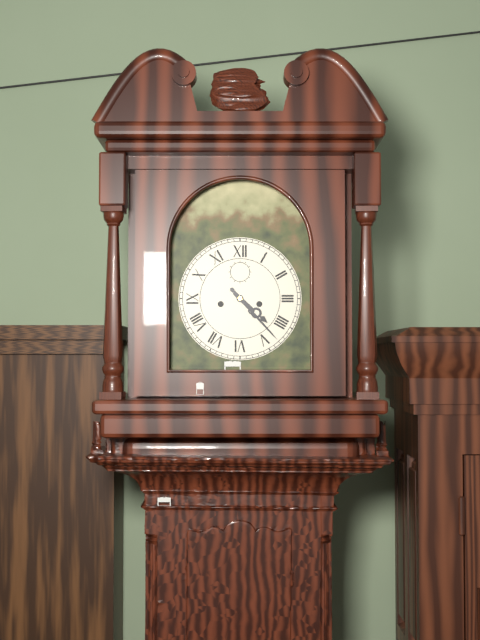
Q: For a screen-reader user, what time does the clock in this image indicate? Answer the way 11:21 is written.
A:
4:23
